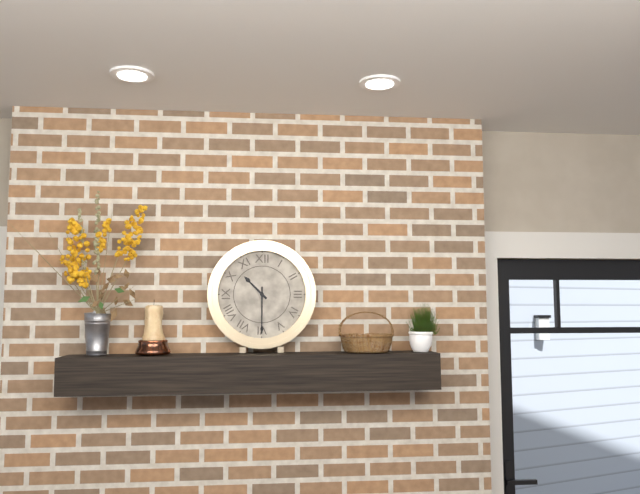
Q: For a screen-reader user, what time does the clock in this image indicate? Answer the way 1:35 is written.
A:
10:30
